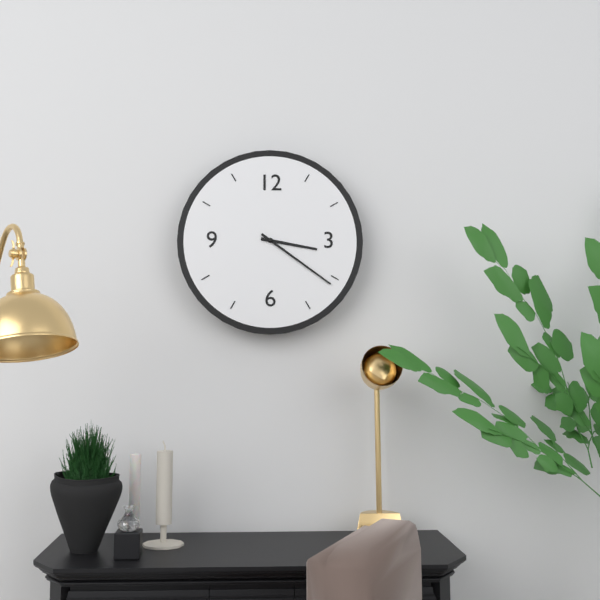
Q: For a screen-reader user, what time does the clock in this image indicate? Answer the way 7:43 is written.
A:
3:21
